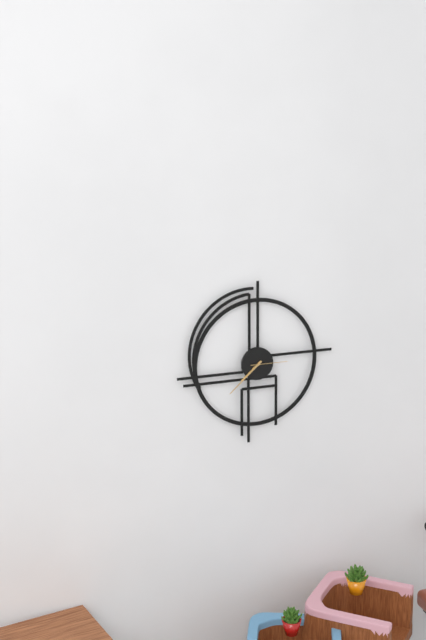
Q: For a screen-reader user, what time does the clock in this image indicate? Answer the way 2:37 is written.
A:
7:38
